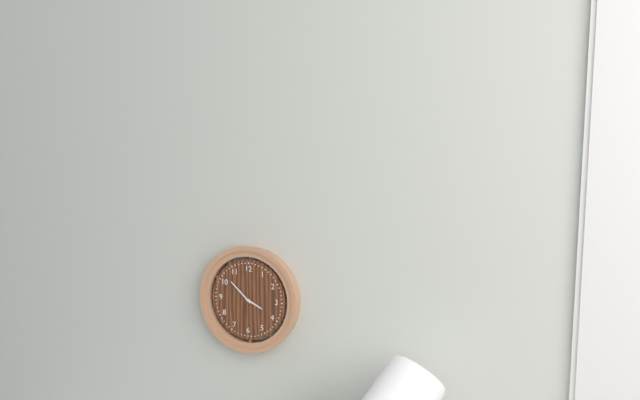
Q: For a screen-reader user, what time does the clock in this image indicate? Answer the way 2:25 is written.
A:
3:52
